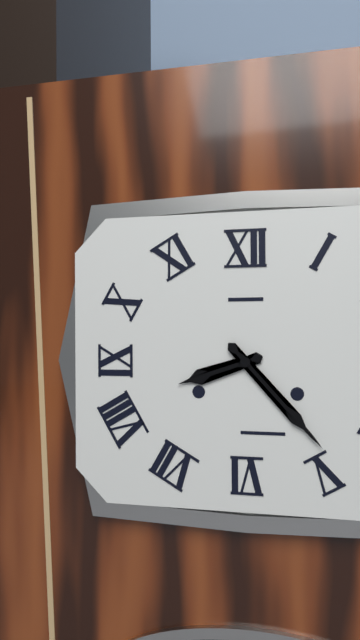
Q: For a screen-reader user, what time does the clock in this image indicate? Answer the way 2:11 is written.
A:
8:23
